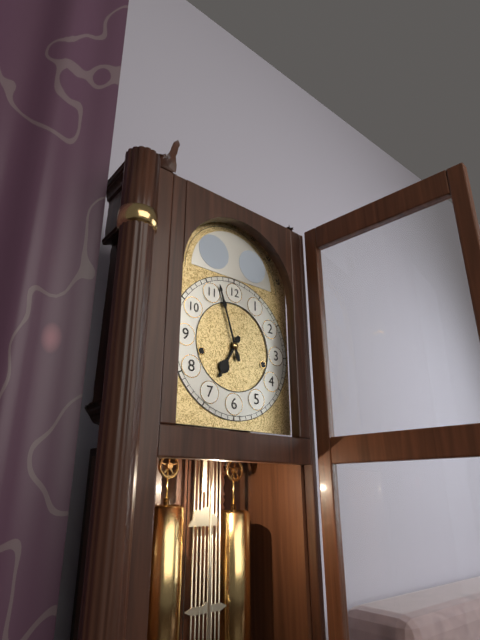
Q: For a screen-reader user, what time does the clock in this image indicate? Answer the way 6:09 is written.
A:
6:57
